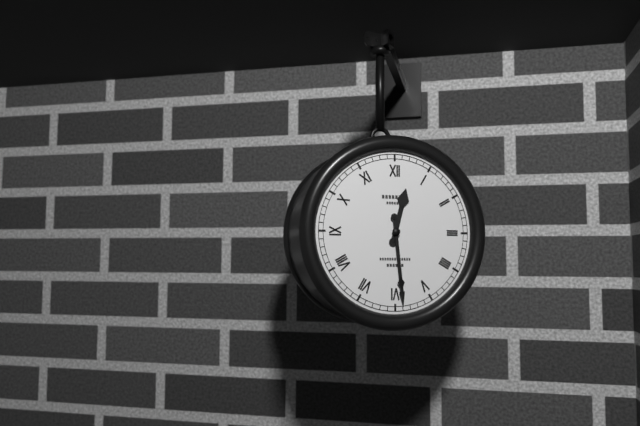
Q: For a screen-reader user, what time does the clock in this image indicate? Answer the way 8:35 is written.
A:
12:29
